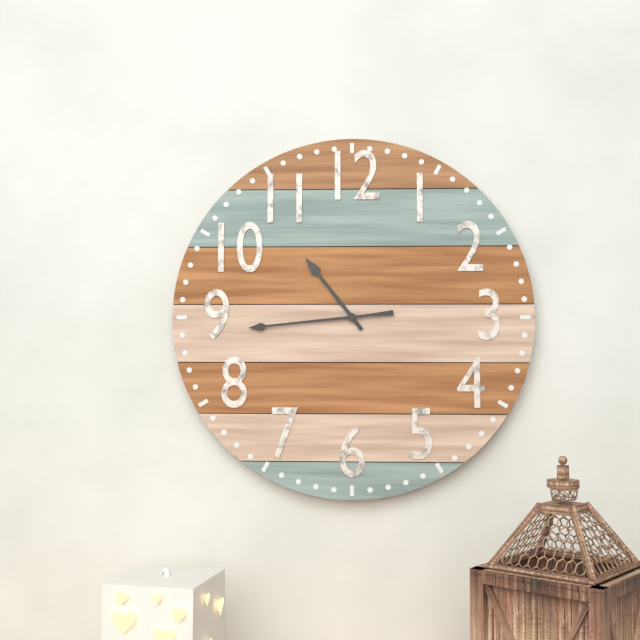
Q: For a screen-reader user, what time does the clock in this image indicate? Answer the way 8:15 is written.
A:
10:44
